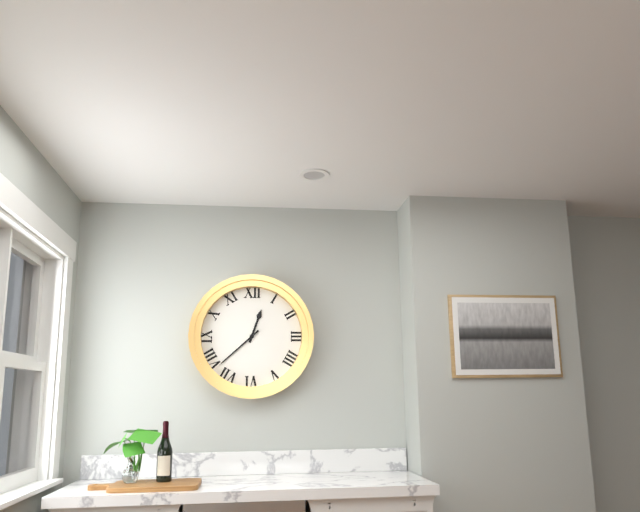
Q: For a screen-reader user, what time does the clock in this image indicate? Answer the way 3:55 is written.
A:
12:38
